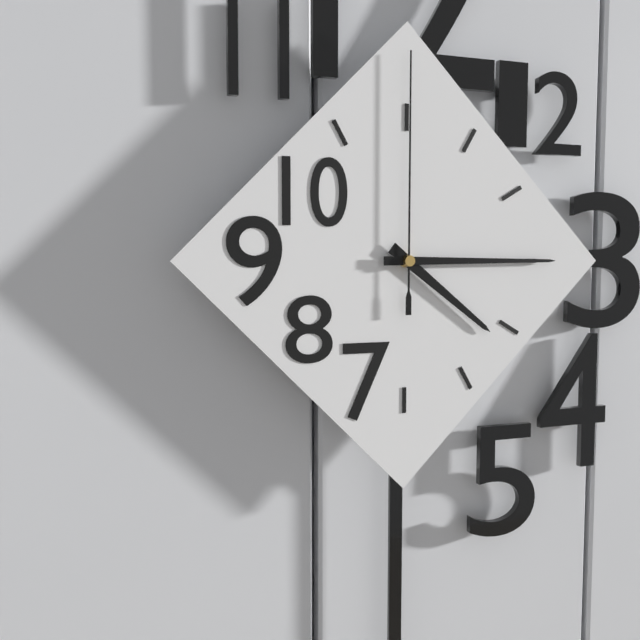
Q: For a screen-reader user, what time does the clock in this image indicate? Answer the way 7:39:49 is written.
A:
4:15:00
